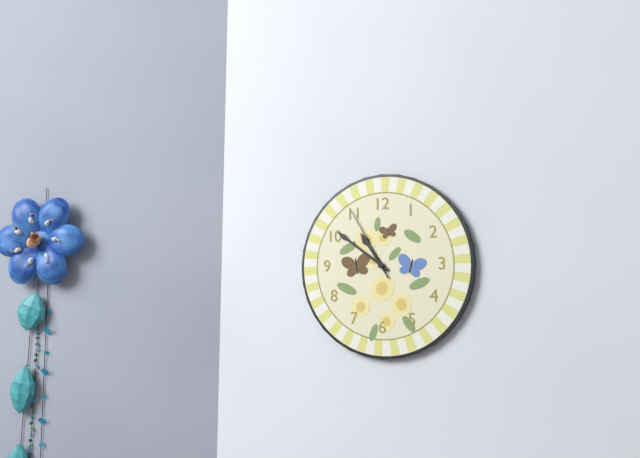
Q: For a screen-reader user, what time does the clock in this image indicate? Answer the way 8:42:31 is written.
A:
10:51:55
